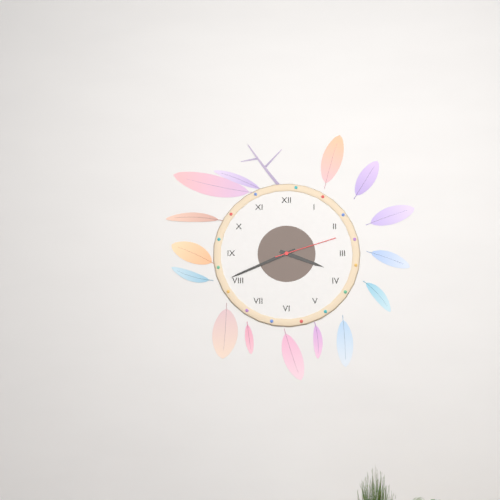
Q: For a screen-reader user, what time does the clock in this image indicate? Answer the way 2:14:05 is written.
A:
3:41:12
